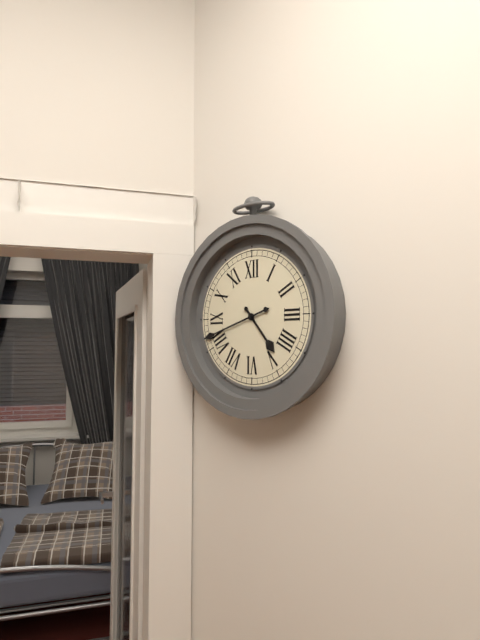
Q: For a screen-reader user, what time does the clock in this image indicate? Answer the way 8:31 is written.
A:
4:42
